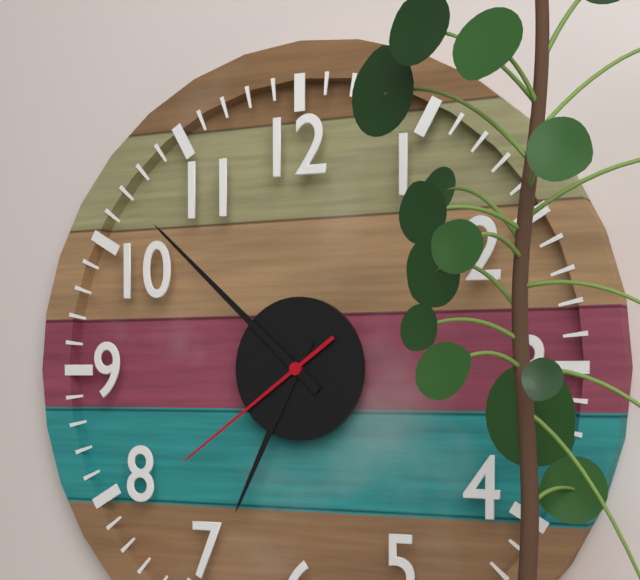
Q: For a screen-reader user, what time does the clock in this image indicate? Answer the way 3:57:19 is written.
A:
6:52:39
